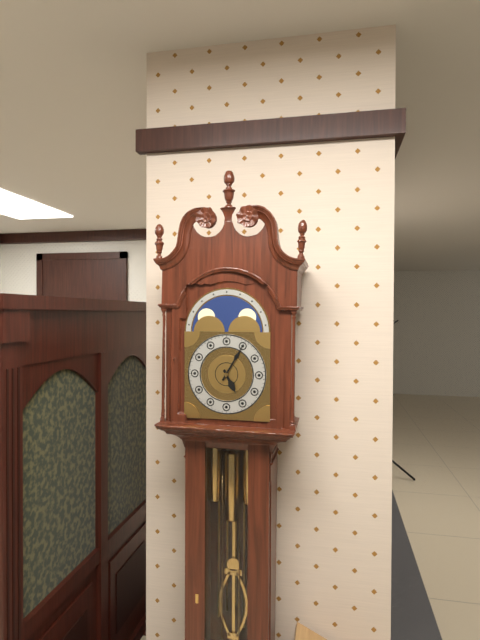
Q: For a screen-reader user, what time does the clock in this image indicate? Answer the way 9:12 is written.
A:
5:05
